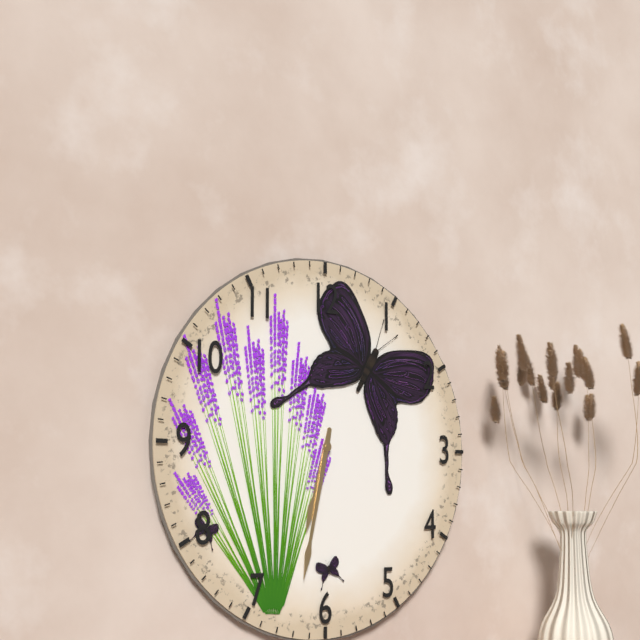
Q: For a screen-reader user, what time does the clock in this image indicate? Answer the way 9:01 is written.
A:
6:32
